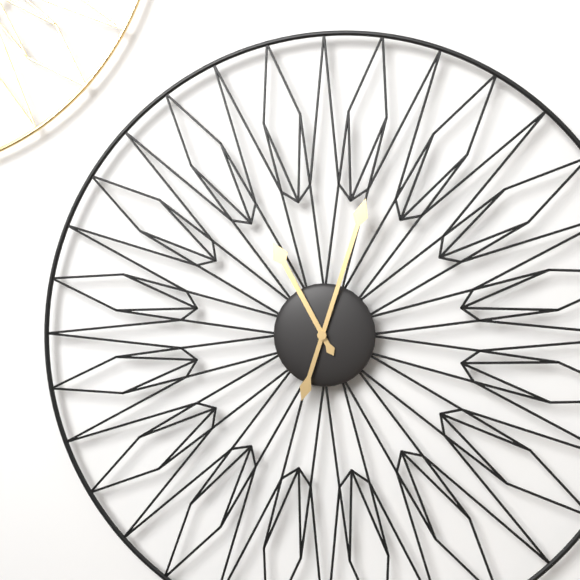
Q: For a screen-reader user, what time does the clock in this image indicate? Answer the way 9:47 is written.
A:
11:03
